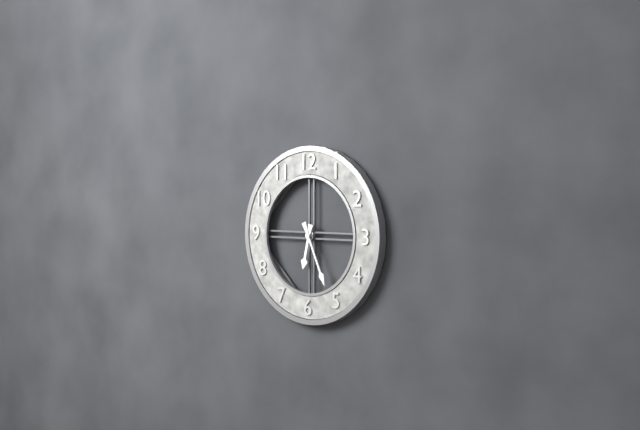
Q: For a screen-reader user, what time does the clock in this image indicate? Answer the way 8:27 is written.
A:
6:26
